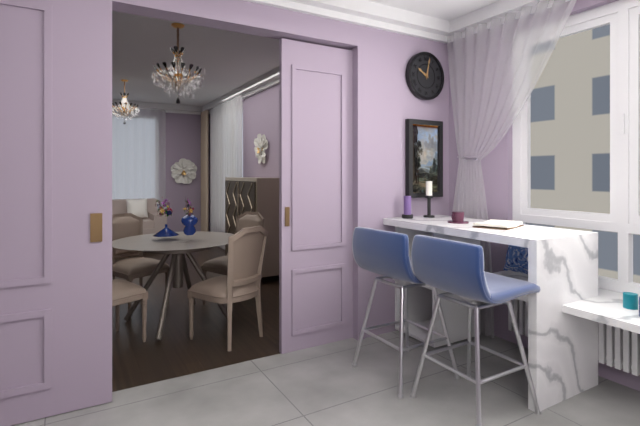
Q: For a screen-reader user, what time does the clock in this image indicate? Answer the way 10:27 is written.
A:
10:02
